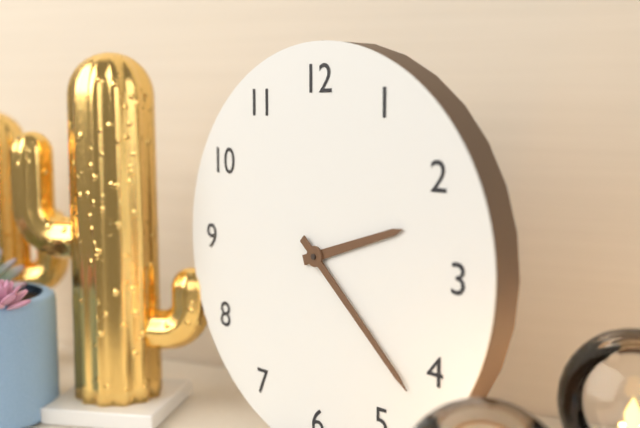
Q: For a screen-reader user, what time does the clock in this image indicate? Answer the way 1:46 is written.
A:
2:22
